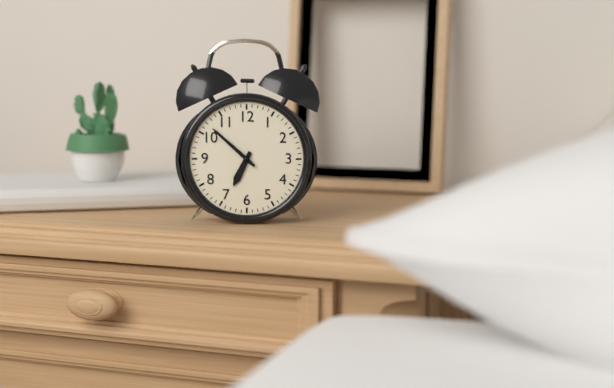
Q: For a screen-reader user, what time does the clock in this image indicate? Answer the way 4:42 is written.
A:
6:52
